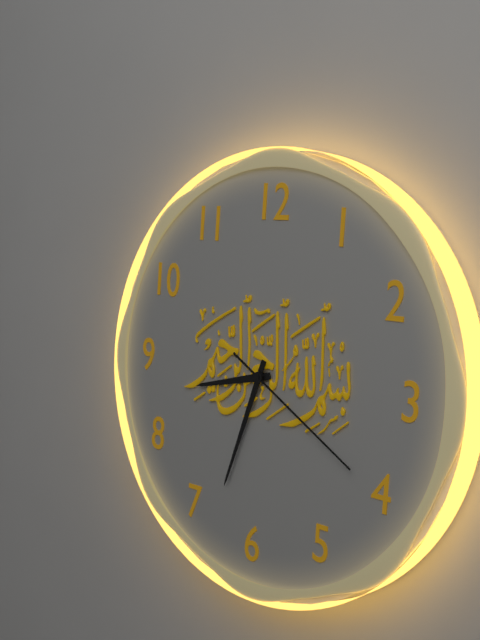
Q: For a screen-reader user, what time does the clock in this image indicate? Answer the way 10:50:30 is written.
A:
8:33:20
